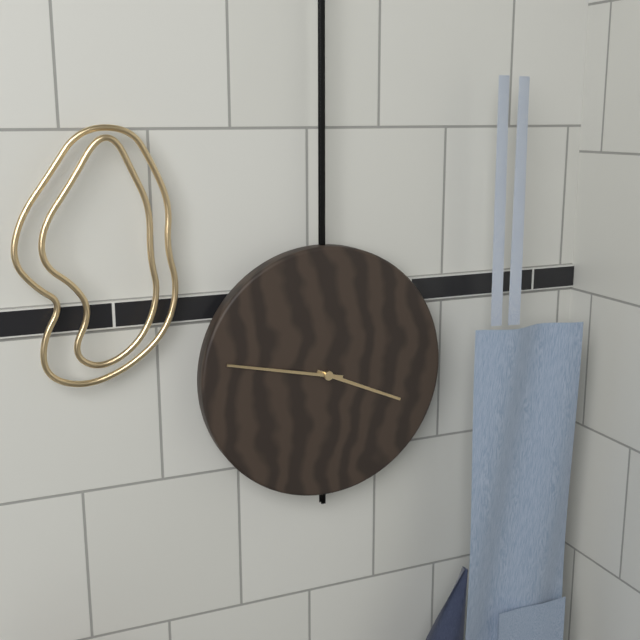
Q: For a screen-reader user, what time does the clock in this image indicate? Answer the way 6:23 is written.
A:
3:47
